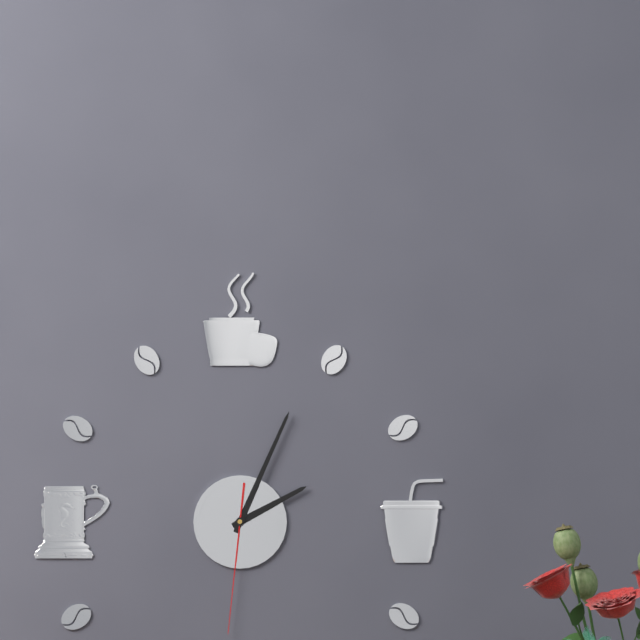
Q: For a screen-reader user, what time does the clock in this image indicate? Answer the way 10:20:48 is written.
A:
2:04:31
